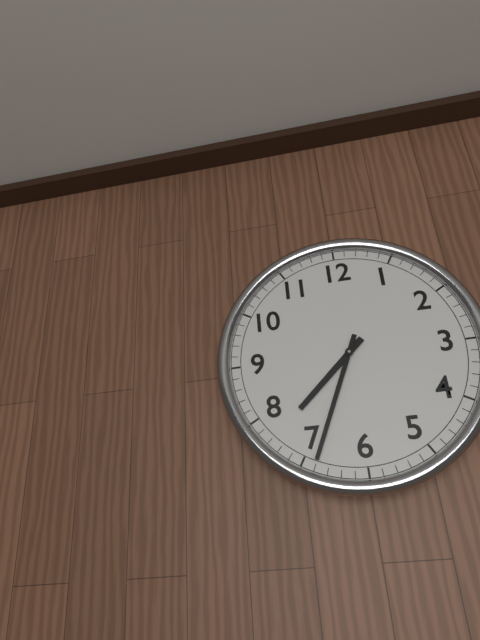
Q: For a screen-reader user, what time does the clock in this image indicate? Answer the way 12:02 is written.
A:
7:34
